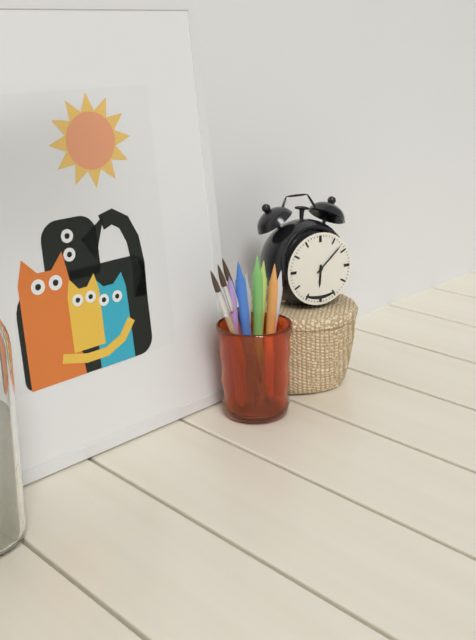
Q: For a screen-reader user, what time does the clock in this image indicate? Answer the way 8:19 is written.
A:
6:08
